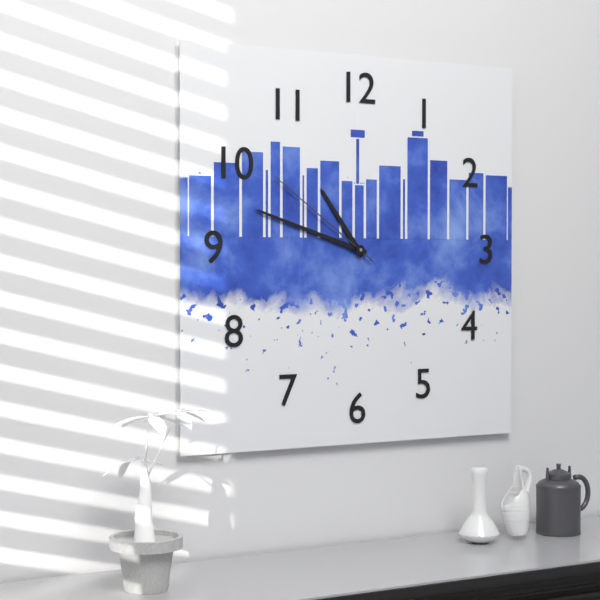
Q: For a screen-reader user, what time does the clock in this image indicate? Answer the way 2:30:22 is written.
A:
10:48:51
